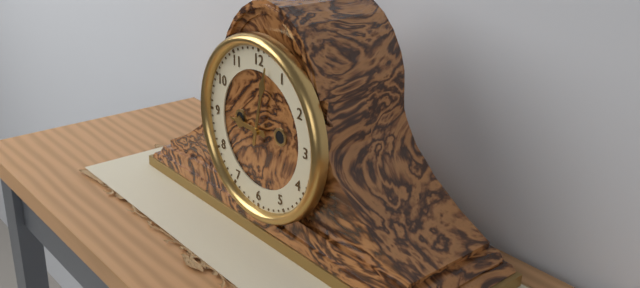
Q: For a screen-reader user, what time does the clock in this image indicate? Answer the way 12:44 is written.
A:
9:02
